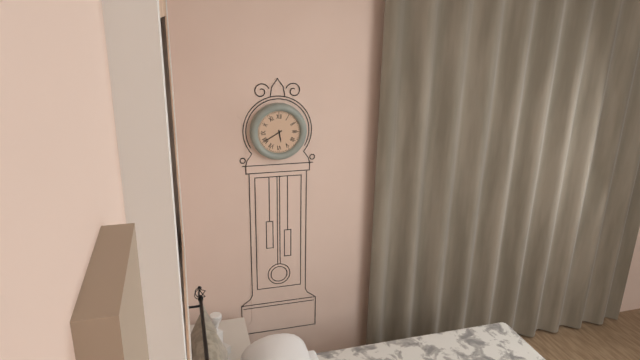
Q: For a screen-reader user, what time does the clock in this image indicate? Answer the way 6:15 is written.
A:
5:40
